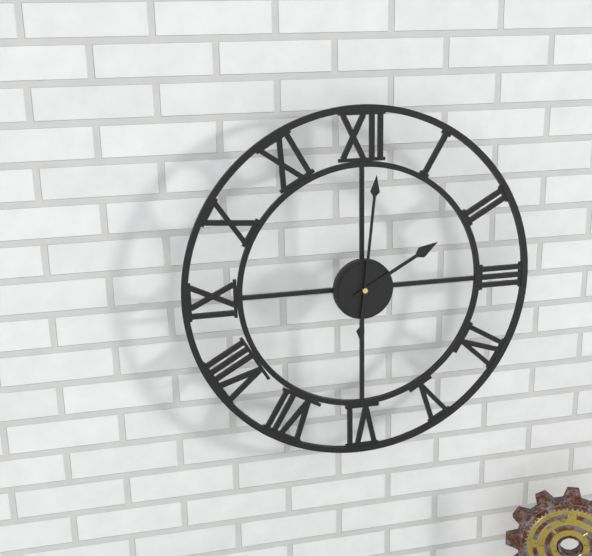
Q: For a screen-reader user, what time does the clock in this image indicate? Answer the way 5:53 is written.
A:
2:01
